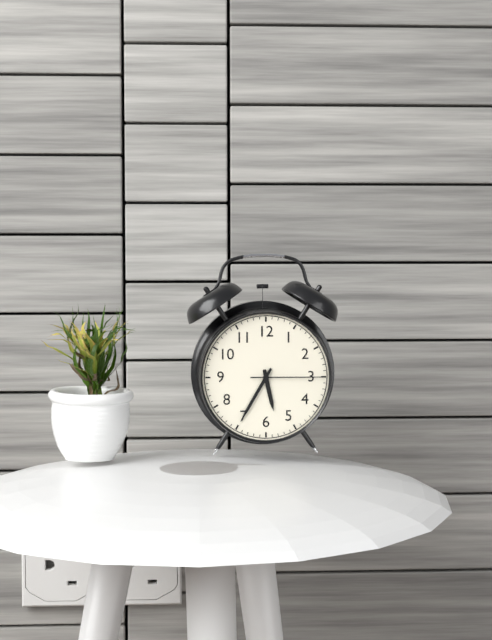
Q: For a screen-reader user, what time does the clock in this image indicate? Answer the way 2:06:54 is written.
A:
5:35:15
